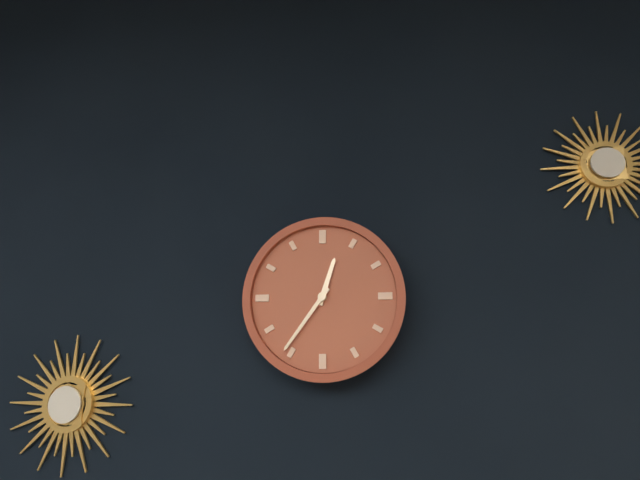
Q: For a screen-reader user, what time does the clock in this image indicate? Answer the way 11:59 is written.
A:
12:36
